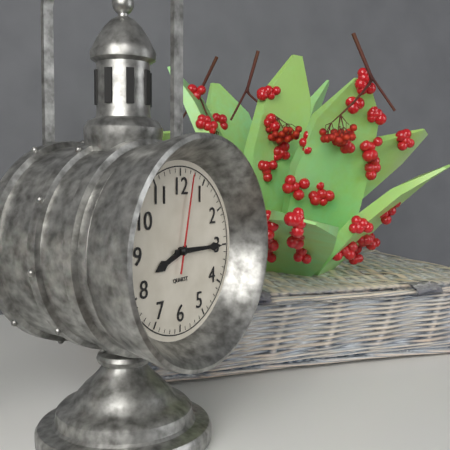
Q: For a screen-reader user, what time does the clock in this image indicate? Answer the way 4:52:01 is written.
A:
8:15:02
